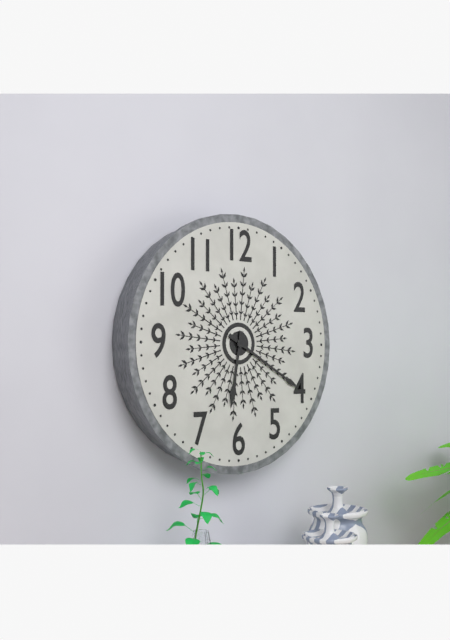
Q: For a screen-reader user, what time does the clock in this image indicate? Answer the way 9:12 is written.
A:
6:20
